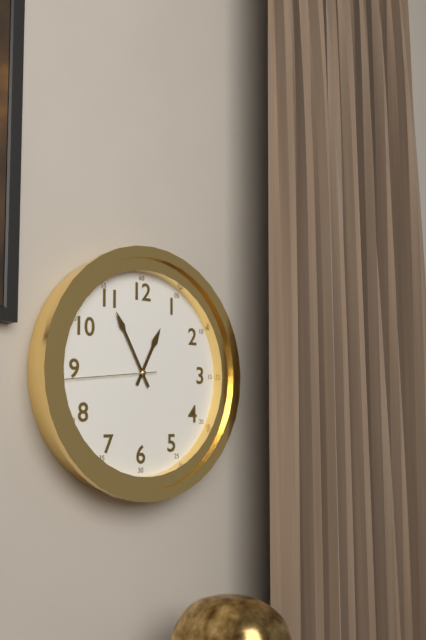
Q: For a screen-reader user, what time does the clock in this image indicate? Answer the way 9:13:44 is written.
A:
12:55:44
